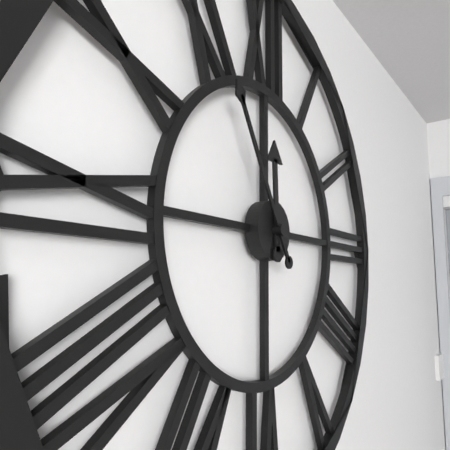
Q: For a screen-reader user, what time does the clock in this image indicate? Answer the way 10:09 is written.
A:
11:55
